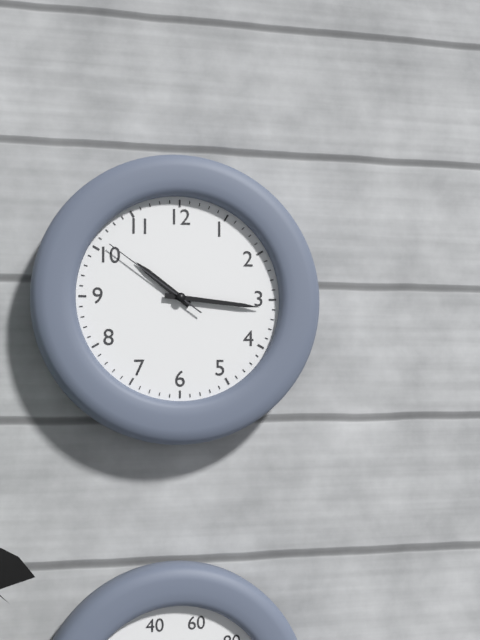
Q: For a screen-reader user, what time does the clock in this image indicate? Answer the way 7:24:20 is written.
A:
10:16:51
